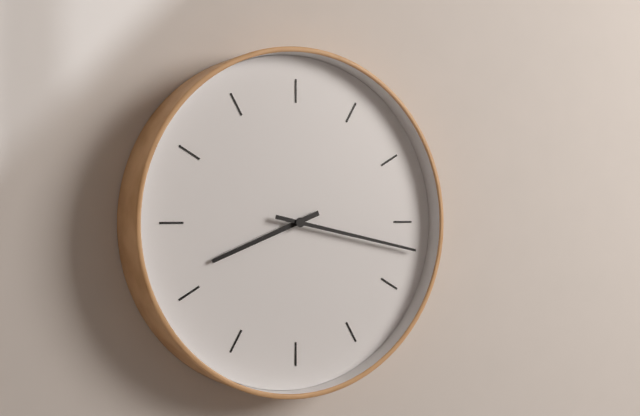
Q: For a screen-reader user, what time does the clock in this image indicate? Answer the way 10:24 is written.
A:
8:17
